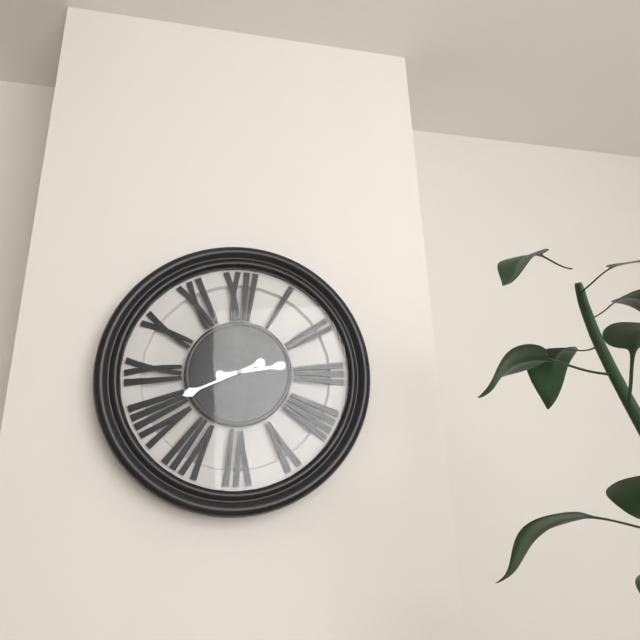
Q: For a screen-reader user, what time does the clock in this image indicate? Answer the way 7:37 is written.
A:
2:41
